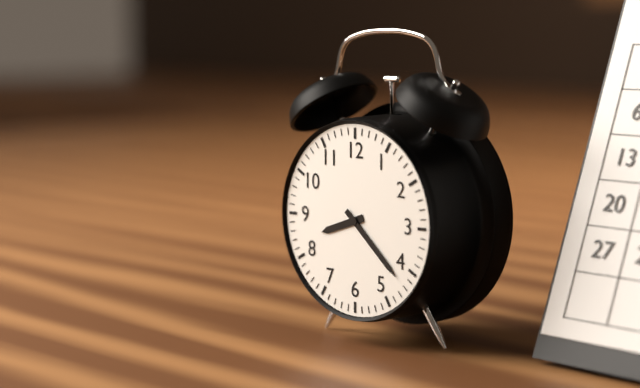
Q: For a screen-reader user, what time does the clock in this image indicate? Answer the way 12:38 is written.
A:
8:22
